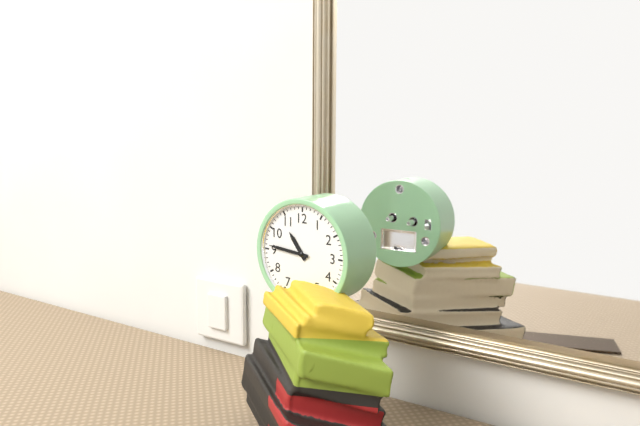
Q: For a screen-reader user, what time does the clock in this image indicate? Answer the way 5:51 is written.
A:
10:46
